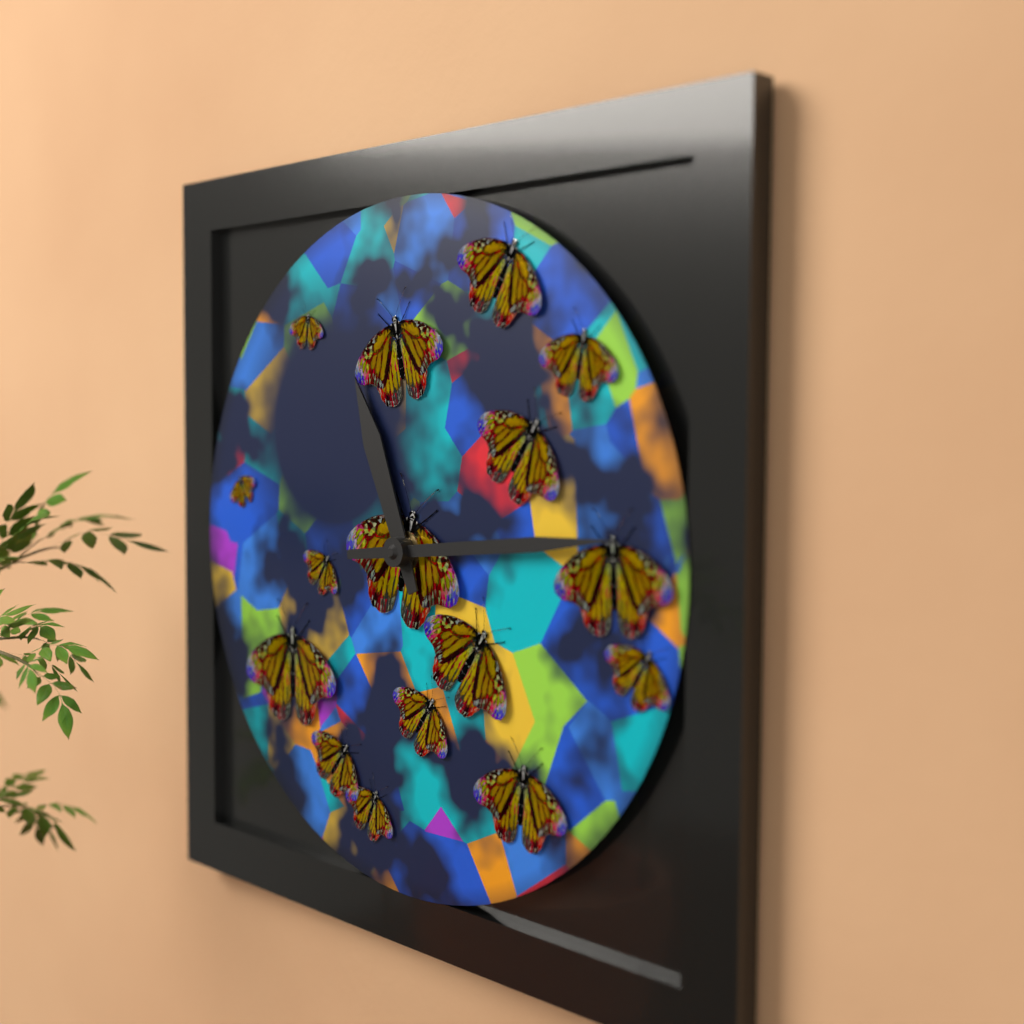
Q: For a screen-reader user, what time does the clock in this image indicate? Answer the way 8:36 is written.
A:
11:14
